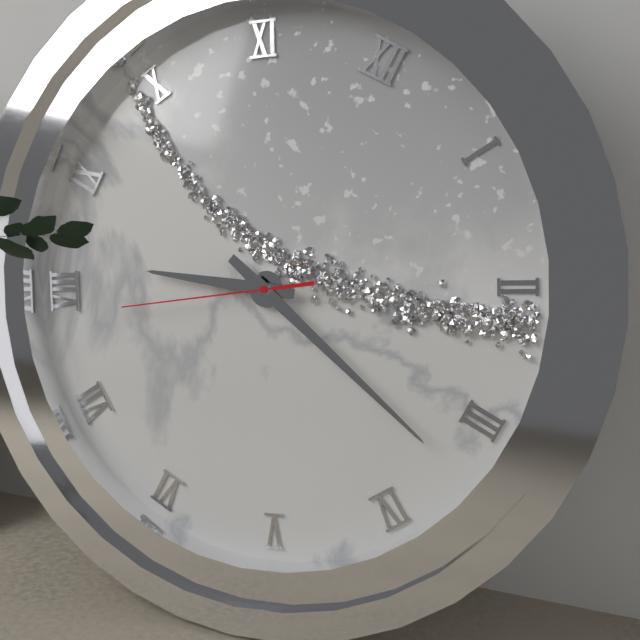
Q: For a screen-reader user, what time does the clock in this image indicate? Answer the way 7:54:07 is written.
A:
8:17:39
